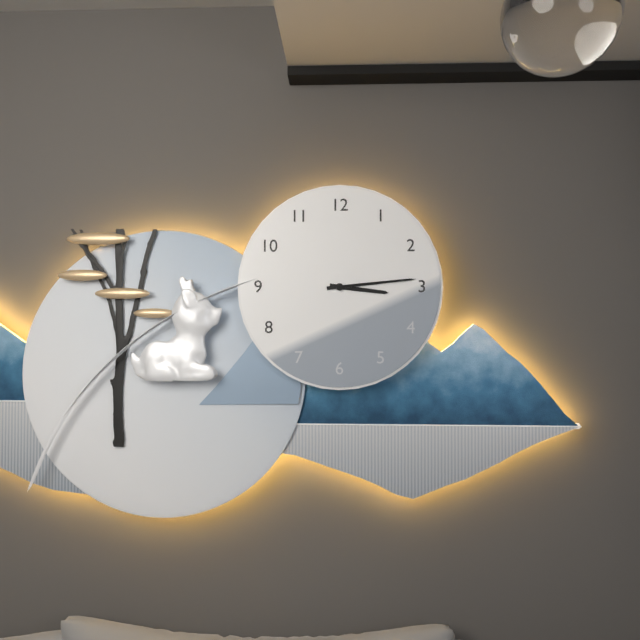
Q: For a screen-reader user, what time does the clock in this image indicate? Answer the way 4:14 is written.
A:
3:14
